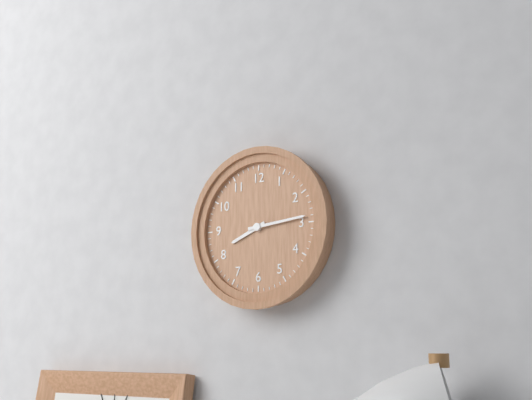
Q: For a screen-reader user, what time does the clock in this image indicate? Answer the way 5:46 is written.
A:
8:14
